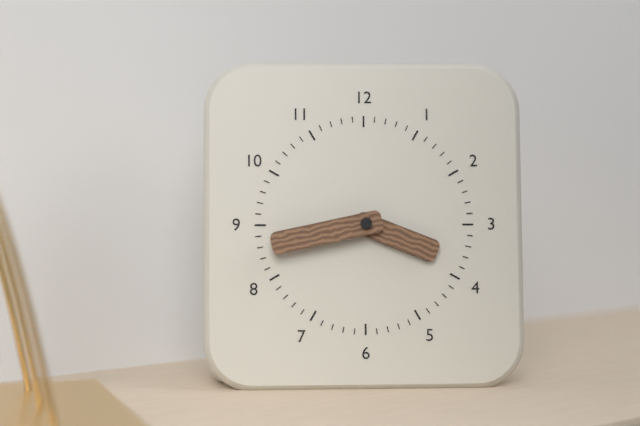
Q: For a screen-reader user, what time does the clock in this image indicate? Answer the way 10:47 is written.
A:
3:43
